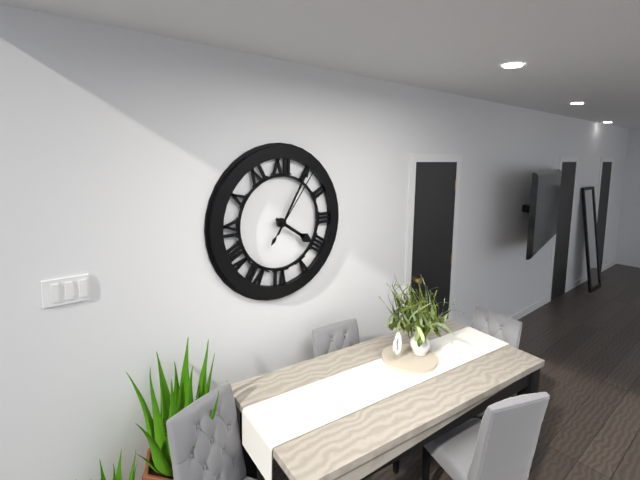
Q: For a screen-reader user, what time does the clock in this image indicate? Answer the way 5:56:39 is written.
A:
4:05:06
